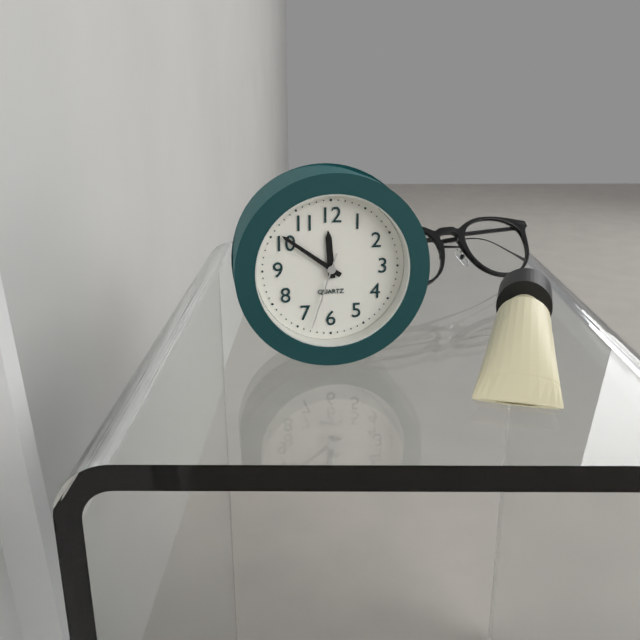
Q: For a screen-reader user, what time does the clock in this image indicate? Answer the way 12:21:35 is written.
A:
11:51:33
